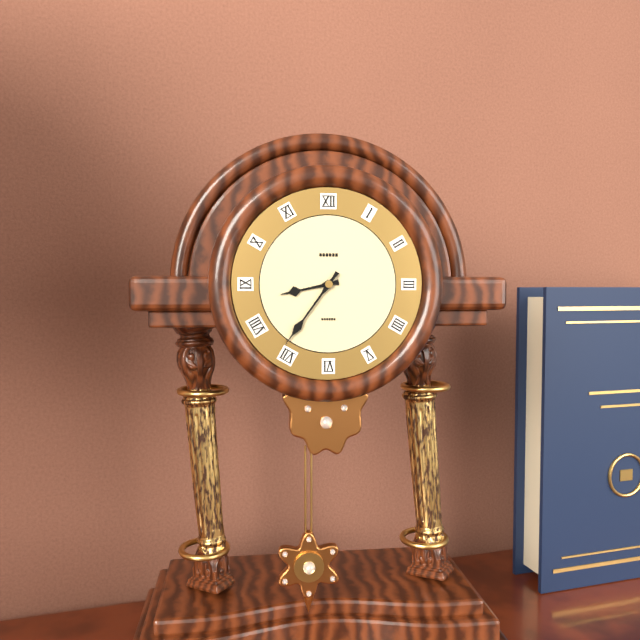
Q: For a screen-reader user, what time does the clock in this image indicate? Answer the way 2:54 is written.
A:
8:36
